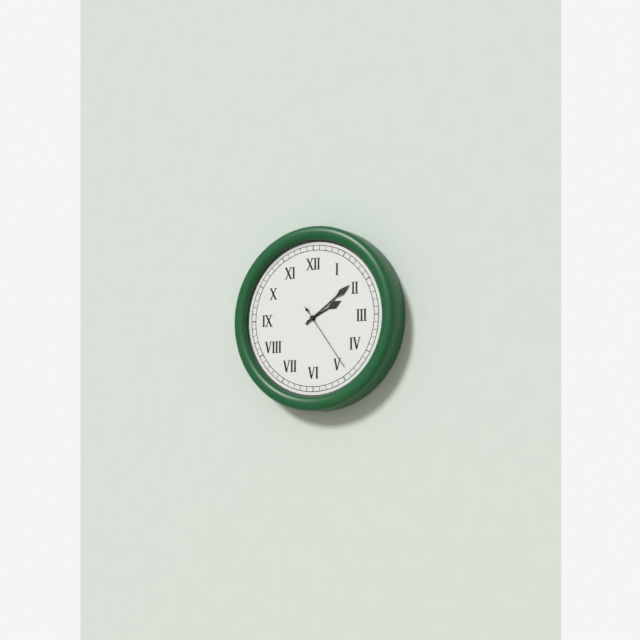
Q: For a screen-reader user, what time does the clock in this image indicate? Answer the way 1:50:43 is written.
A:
2:09:24
